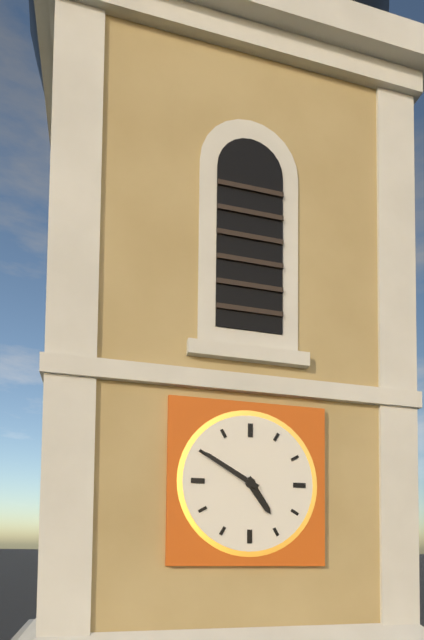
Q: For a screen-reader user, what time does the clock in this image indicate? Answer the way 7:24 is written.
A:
4:50
